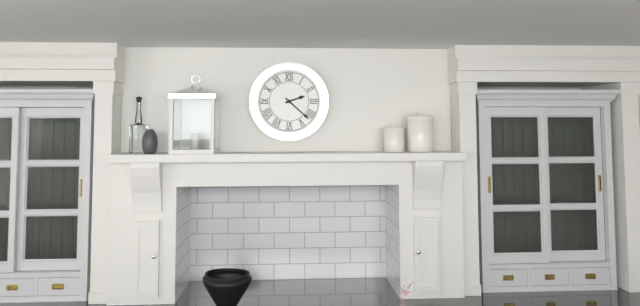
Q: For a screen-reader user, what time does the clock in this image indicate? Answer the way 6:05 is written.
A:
2:22
